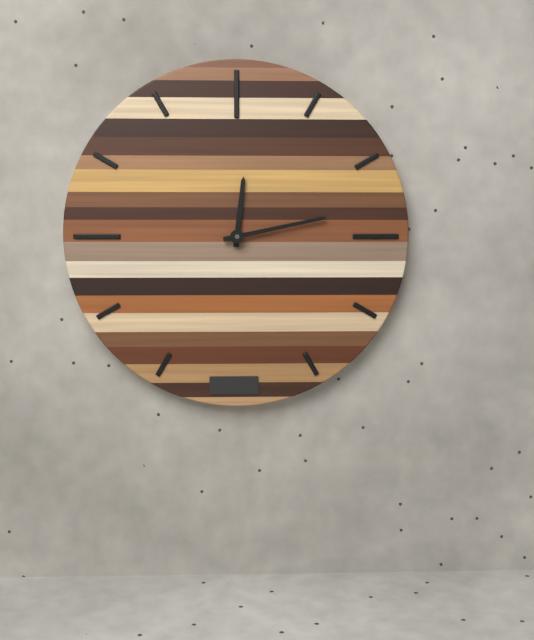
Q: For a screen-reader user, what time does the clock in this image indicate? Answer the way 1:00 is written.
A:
12:13
